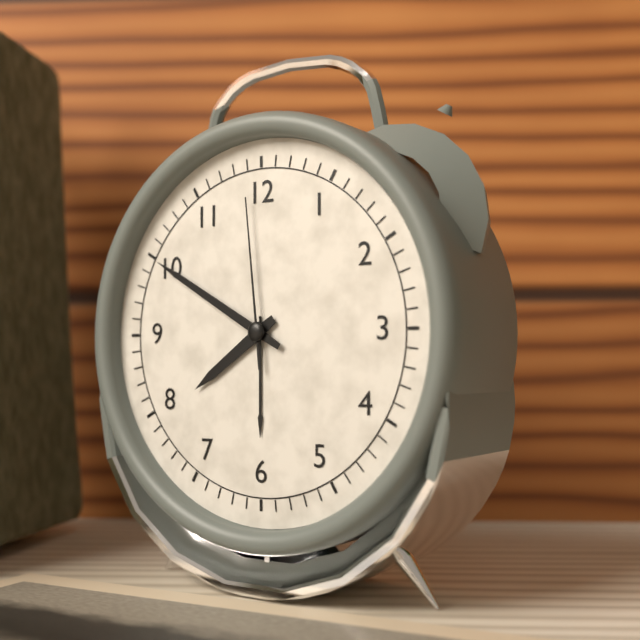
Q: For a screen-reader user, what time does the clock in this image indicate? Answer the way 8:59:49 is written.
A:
7:50:59
